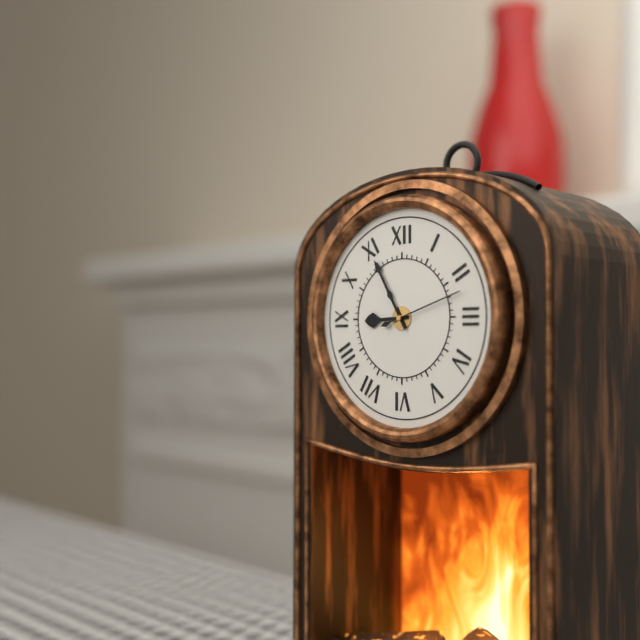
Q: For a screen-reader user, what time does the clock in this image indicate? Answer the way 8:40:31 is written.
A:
8:55:12
